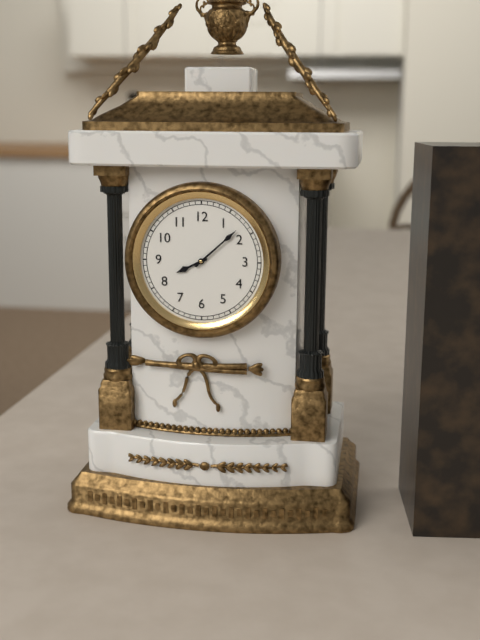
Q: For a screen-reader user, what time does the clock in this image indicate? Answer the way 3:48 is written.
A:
8:08
